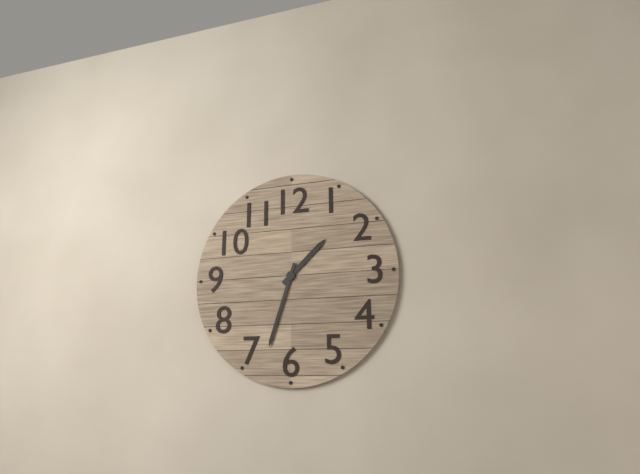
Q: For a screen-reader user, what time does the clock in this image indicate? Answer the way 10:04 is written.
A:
1:33
